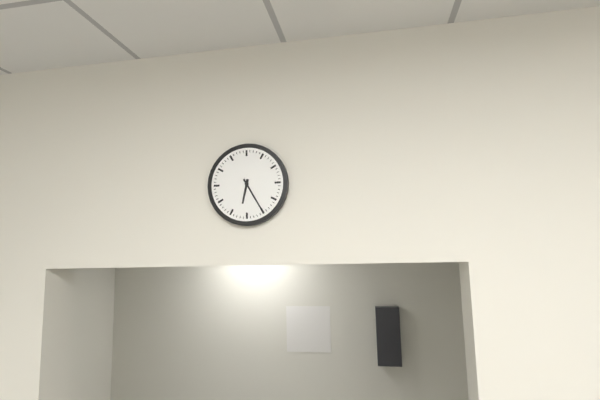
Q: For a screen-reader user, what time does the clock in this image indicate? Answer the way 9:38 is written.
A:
6:25
